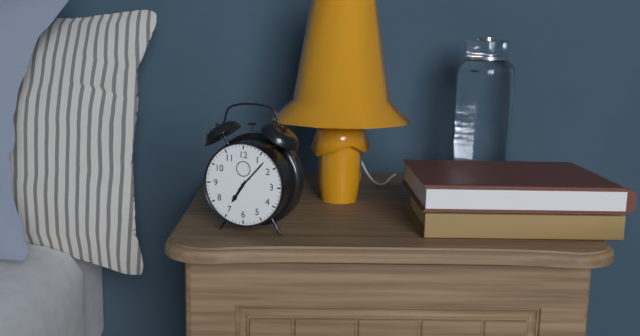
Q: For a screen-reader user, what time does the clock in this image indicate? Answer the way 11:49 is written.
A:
7:07
